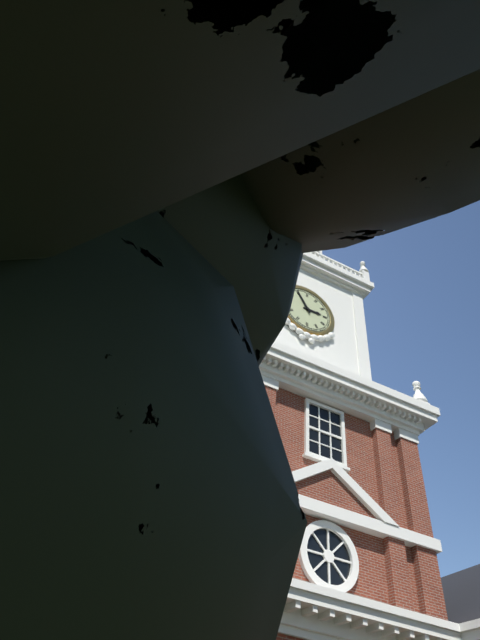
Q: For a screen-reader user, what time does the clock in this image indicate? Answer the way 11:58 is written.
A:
2:55
